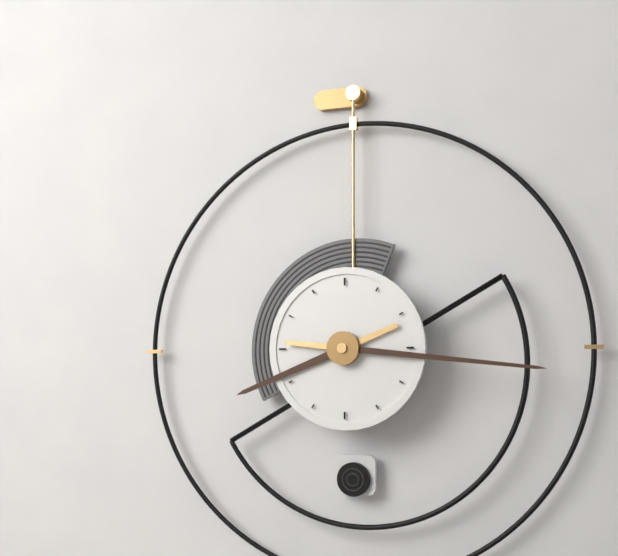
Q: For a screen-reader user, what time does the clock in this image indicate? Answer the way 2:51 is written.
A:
8:16
